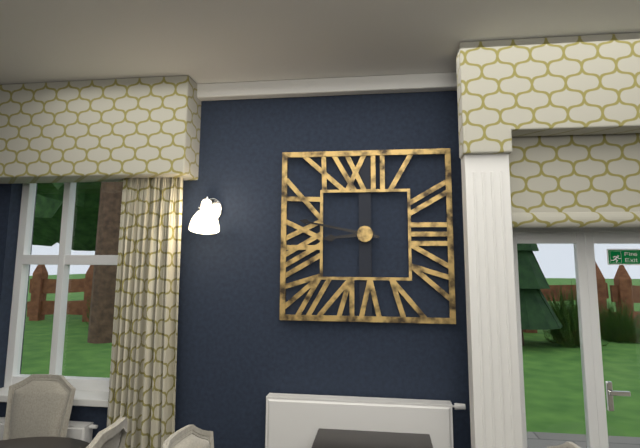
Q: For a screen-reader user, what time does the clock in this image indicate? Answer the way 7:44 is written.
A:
8:47
